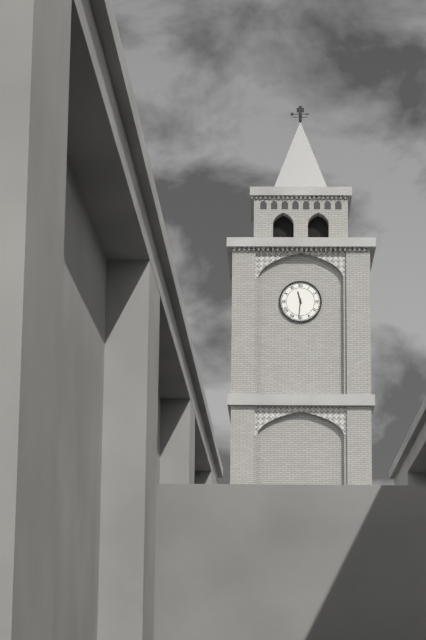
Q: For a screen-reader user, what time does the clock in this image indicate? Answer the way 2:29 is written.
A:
11:31
